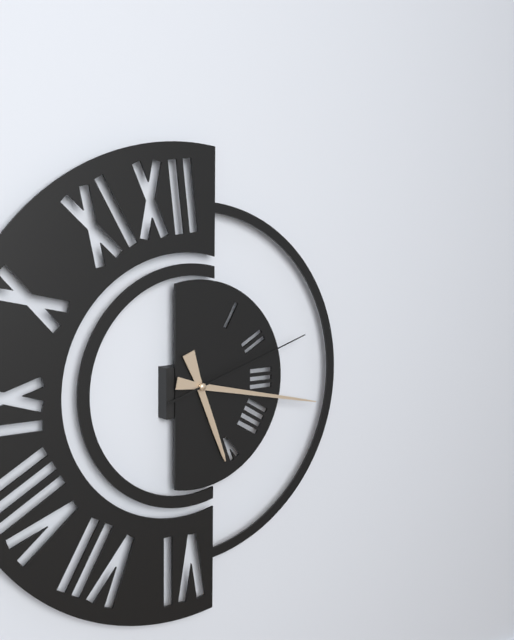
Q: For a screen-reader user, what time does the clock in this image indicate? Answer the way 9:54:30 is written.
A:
5:17:12
